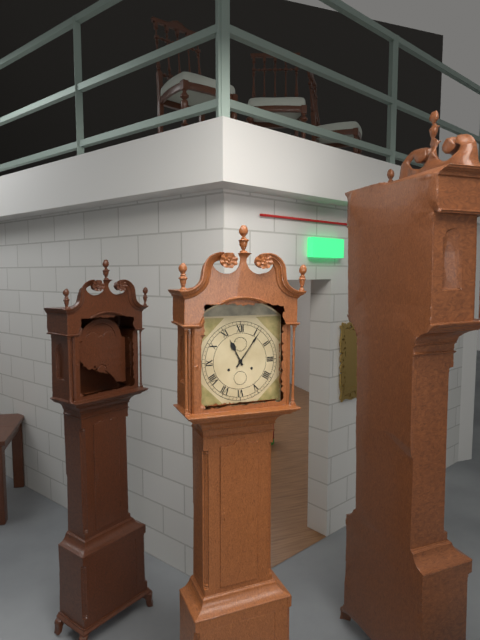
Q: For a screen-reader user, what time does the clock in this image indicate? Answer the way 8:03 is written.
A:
11:06
